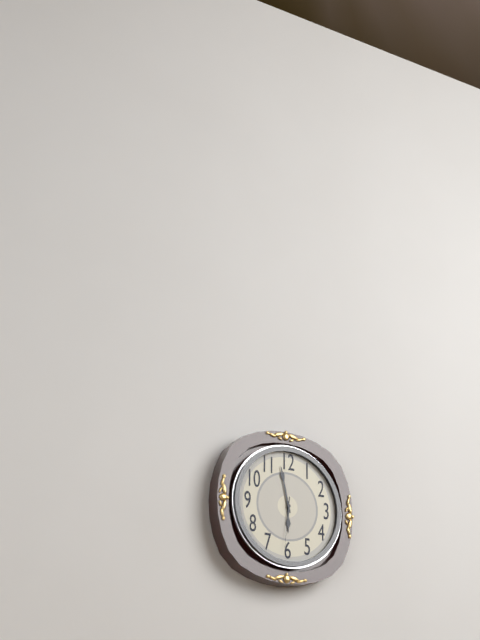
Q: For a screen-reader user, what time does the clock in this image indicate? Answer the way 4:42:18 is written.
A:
5:58:31
